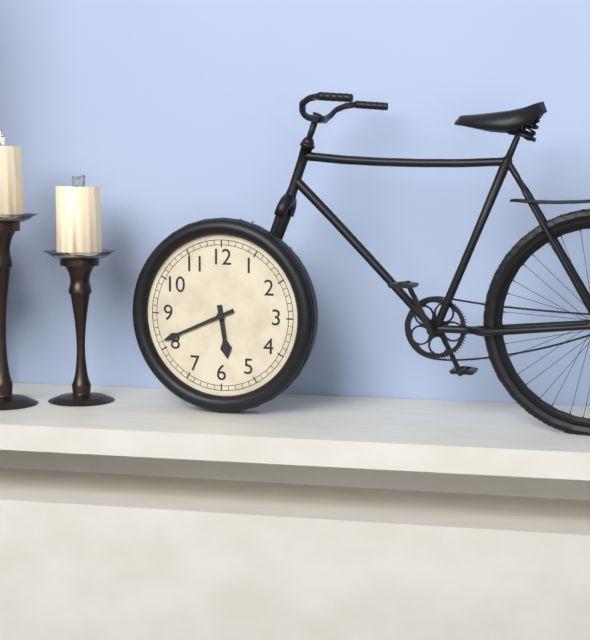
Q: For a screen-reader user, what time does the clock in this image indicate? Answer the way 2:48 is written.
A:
5:41
